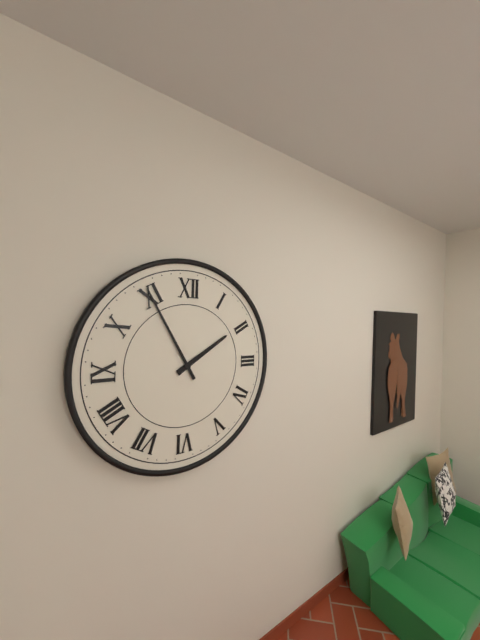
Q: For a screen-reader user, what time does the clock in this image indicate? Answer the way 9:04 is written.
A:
1:55
